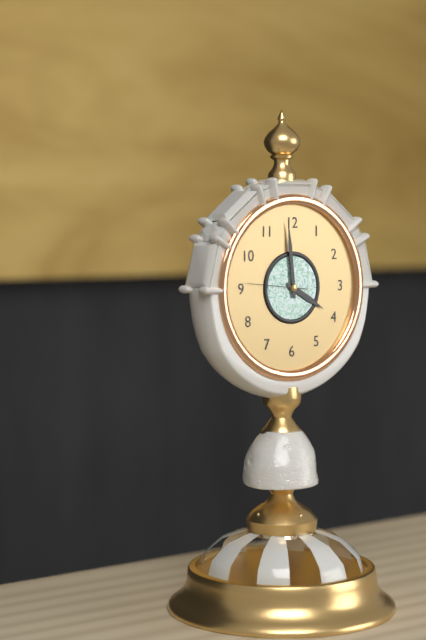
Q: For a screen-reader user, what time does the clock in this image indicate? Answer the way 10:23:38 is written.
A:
3:59:46
